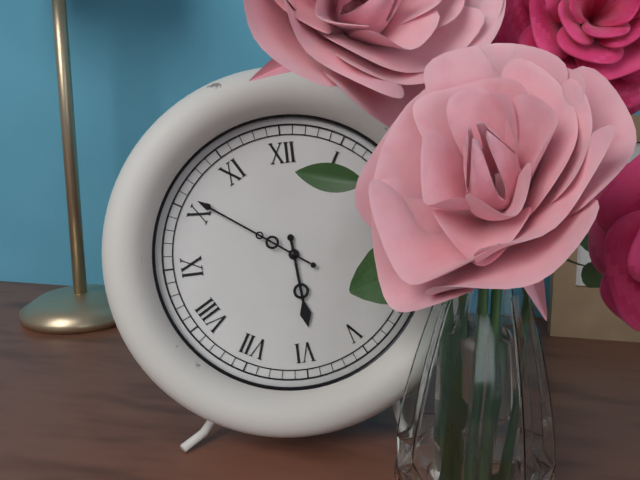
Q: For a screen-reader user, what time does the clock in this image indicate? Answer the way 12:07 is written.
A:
5:51
